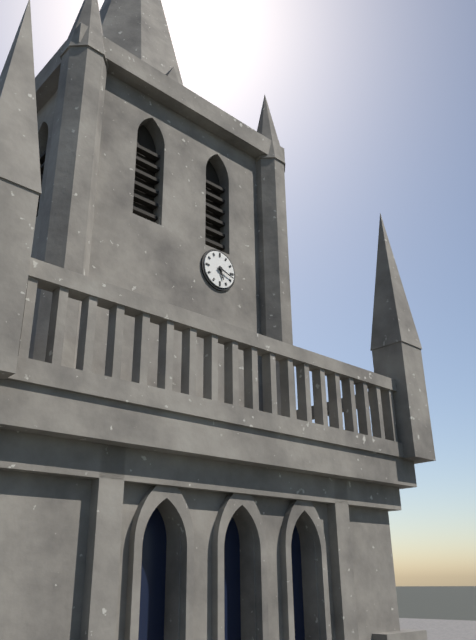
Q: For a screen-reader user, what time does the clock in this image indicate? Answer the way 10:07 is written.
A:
5:18
